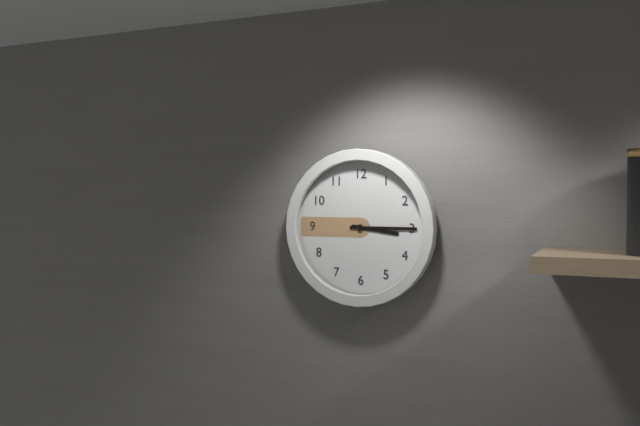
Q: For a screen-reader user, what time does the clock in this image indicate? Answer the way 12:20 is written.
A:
3:15
